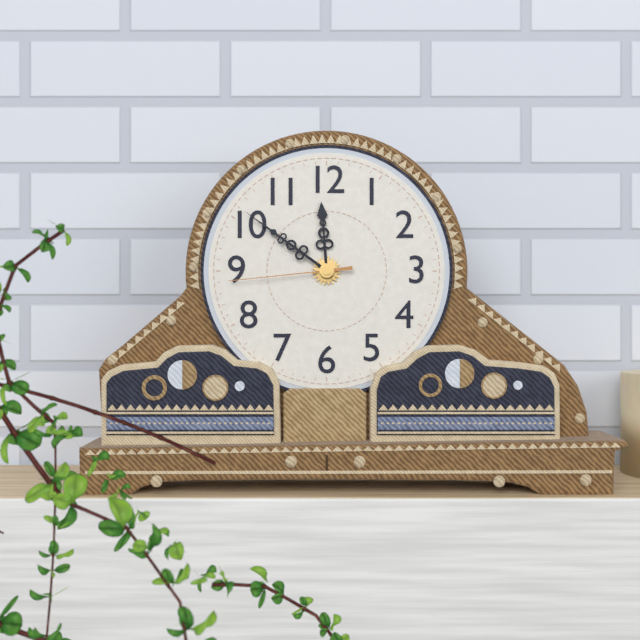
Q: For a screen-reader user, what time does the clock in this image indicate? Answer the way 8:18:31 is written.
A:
11:51:44
